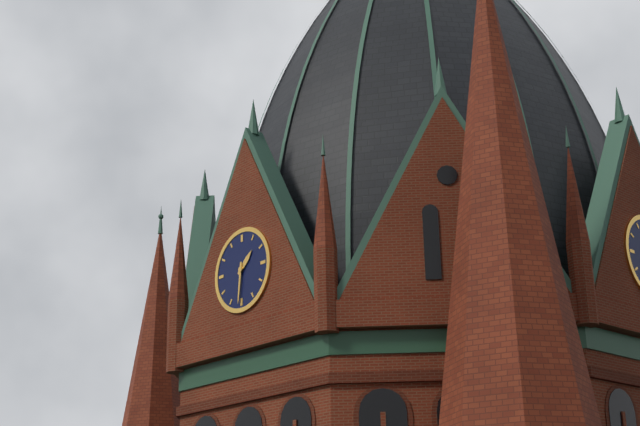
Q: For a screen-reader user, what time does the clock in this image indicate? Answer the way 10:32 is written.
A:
1:31
